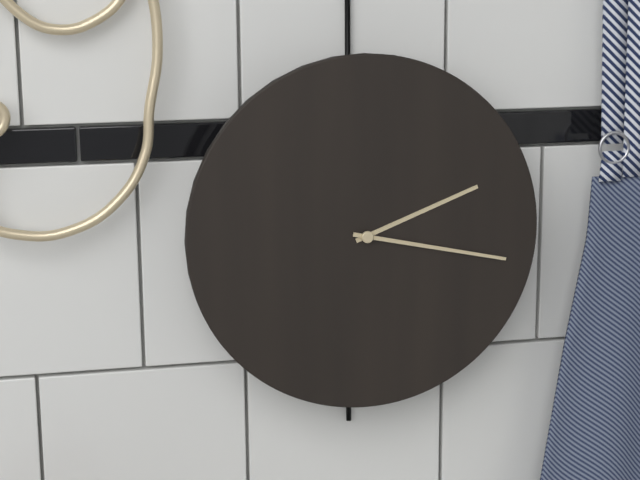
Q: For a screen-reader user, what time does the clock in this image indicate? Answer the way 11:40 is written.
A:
2:17
